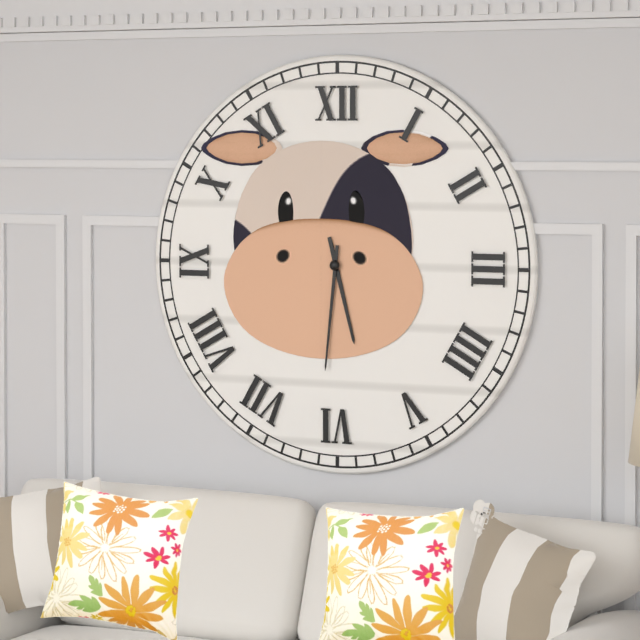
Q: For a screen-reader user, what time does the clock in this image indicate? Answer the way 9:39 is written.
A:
5:31
